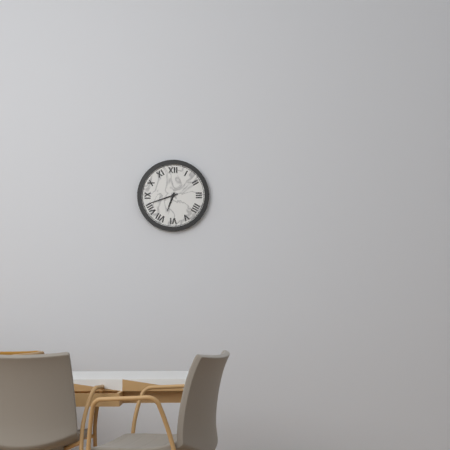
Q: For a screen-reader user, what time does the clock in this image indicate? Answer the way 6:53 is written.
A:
6:42
